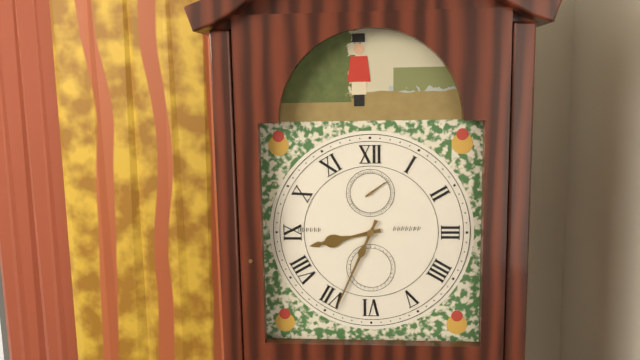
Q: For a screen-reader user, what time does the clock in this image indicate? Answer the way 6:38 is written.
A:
8:34
